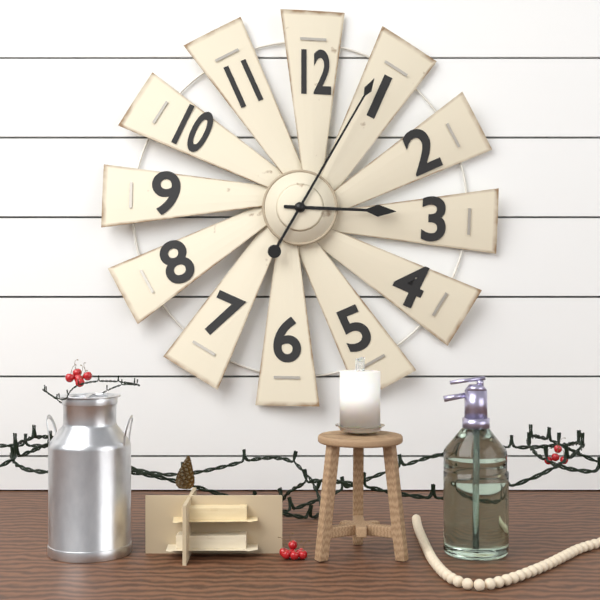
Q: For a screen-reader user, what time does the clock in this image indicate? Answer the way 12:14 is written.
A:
3:05
